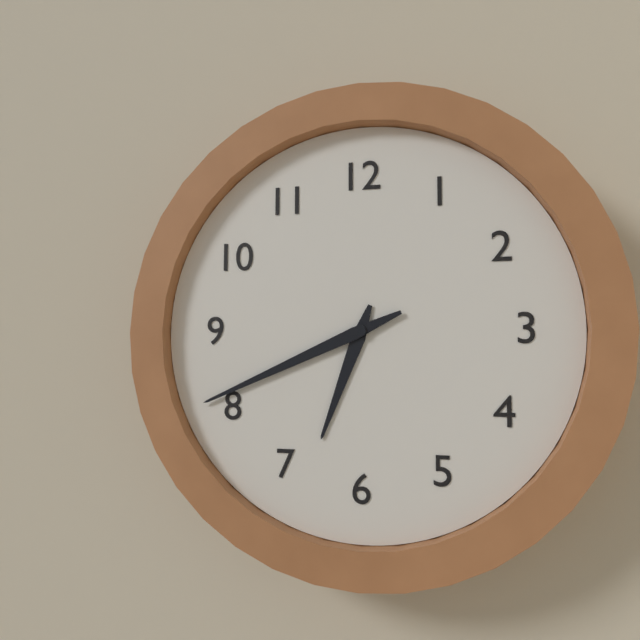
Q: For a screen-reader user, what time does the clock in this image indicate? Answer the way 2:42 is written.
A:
6:41
